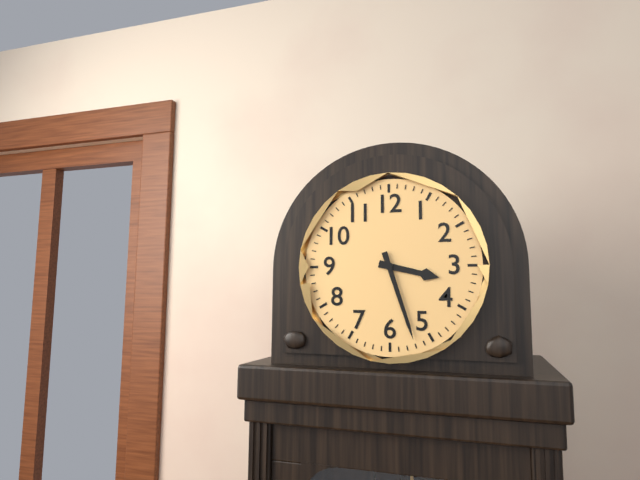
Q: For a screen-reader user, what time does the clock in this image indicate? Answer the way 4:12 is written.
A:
3:27
